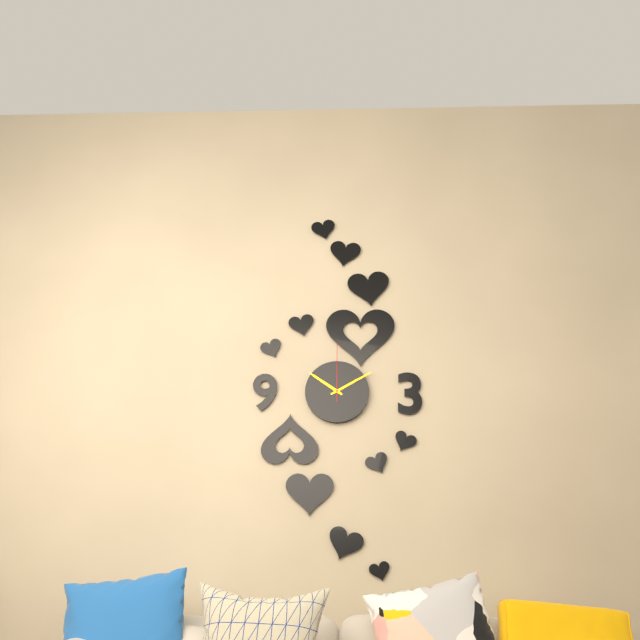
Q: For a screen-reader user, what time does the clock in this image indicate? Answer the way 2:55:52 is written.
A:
10:10:00
